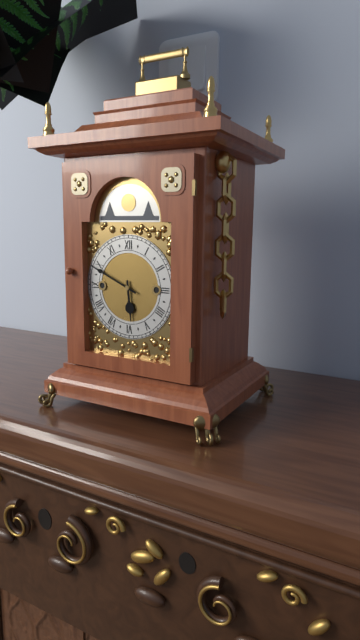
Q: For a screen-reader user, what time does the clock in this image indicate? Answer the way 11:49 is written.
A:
5:49
